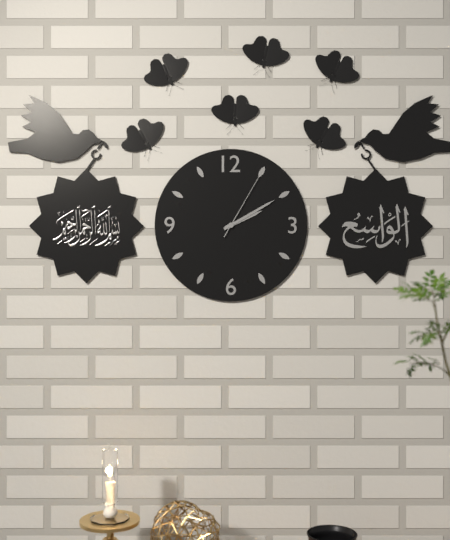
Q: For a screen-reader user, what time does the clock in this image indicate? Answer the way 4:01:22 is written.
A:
2:10:05
